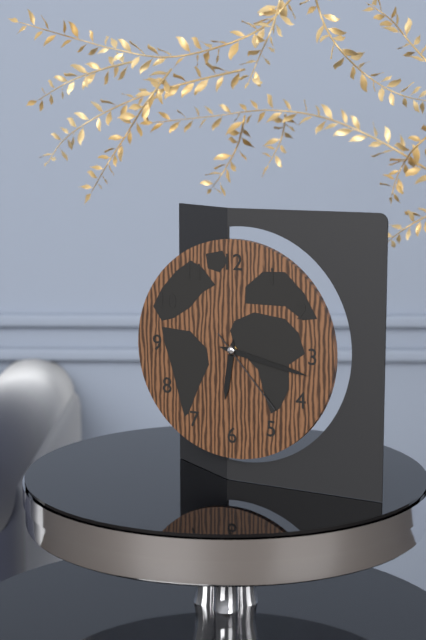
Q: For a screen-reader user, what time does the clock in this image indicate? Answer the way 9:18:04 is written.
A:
6:17:23
